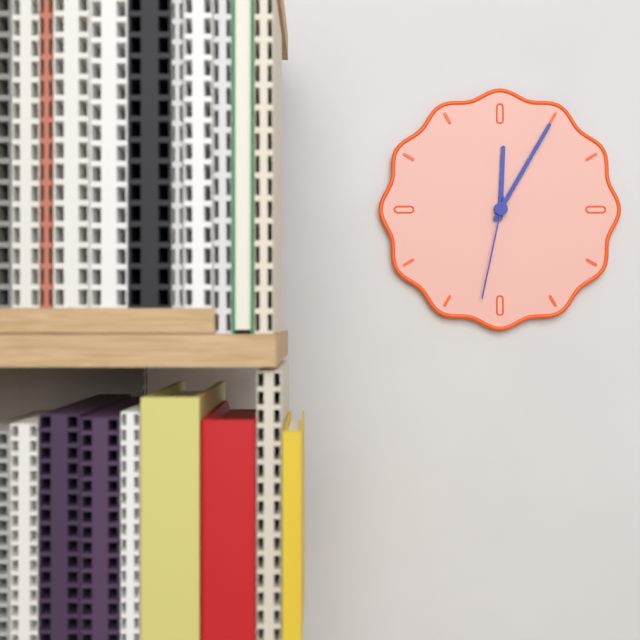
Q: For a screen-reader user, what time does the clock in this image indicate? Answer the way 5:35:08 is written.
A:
12:05:32
